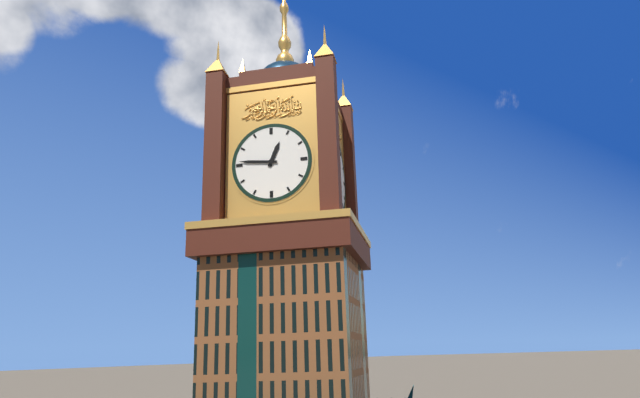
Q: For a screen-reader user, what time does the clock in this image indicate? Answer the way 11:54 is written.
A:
12:46
